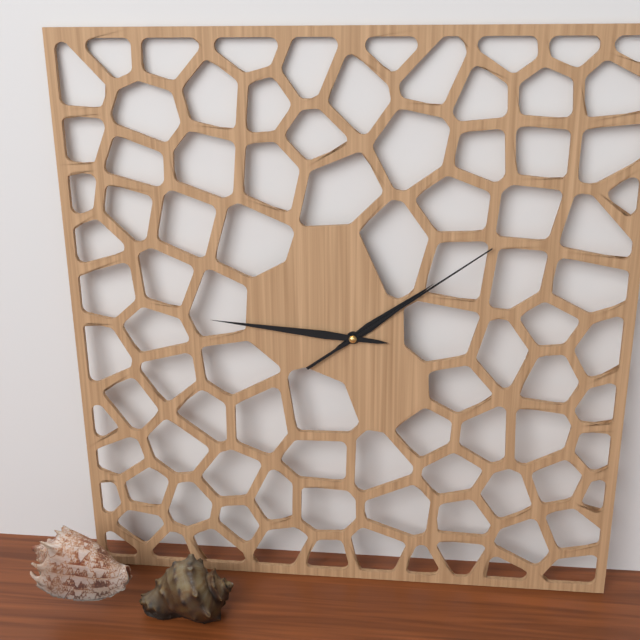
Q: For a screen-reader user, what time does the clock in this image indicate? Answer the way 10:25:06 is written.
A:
1:46:09
